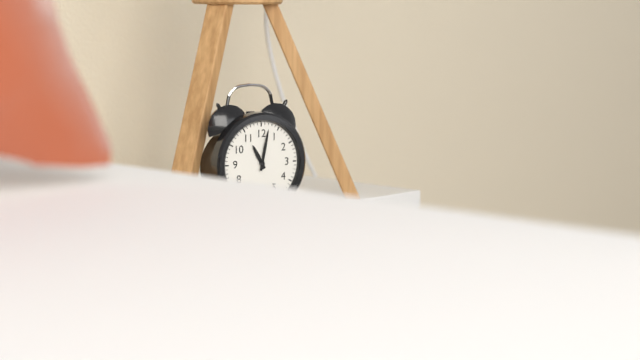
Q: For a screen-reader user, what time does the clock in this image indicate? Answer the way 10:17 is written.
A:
11:02
